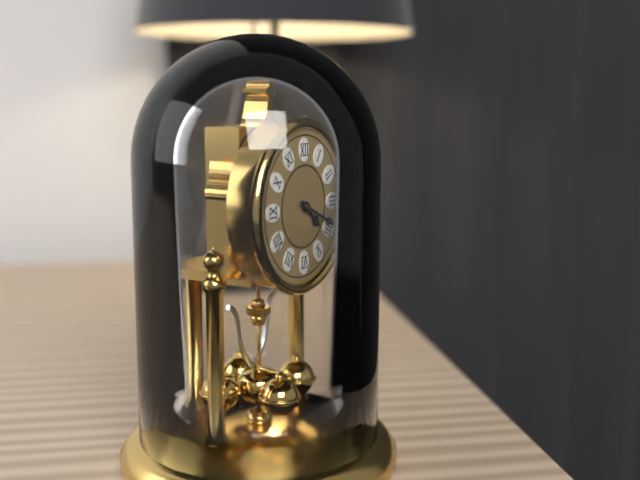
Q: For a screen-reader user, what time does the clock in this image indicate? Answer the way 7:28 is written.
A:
4:19
